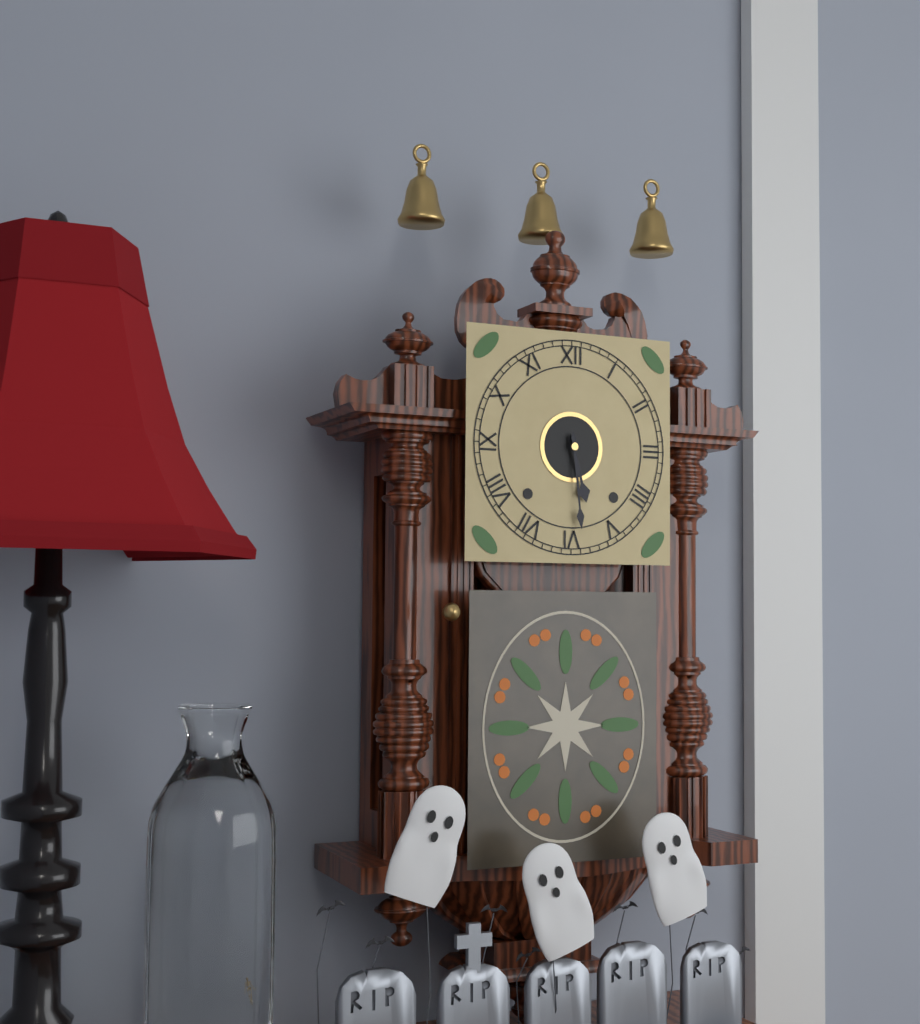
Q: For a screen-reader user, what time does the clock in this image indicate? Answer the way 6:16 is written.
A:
5:29
